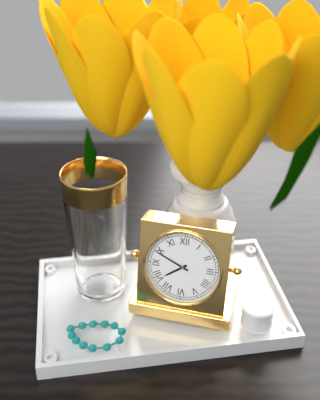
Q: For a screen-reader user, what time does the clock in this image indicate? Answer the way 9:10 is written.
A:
7:49
